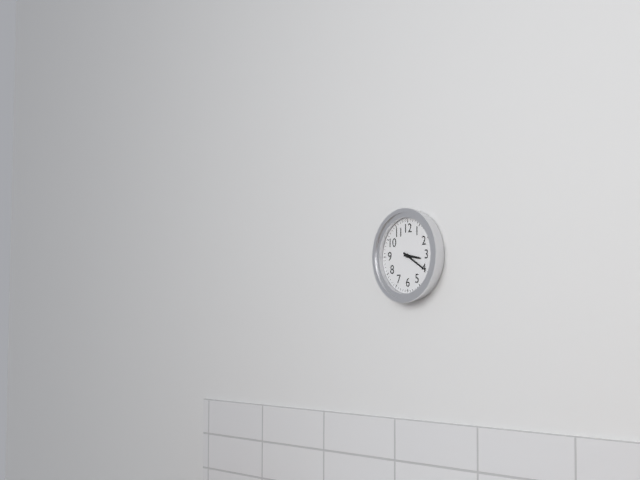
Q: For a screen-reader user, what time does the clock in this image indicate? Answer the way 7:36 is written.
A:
3:20
